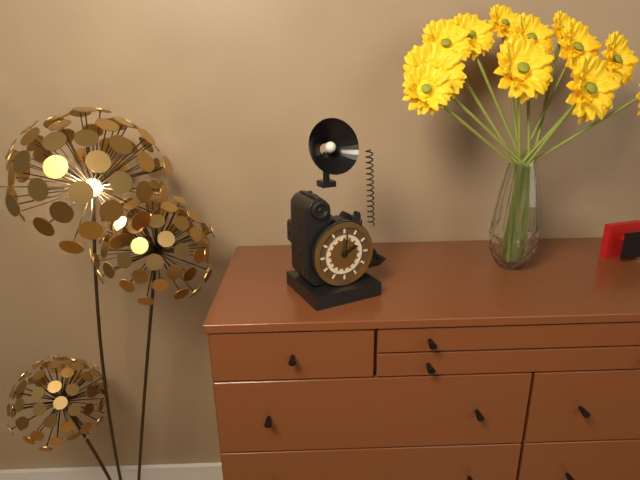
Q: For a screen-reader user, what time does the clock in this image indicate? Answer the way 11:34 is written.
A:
2:01
